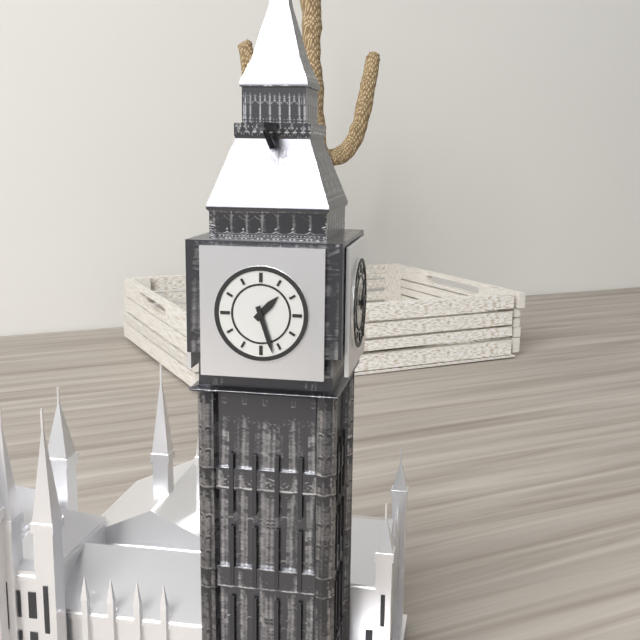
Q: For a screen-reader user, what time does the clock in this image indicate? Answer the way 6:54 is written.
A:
1:27
